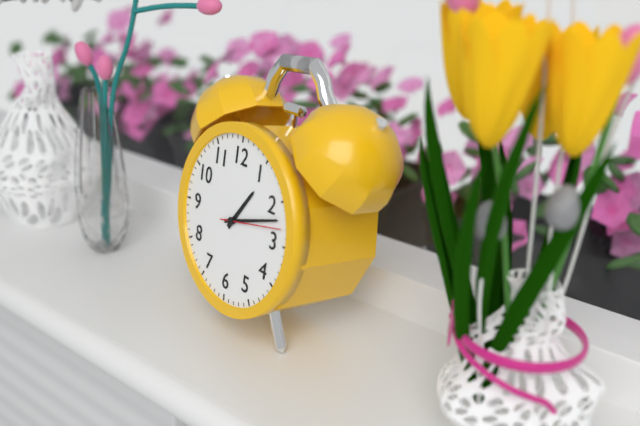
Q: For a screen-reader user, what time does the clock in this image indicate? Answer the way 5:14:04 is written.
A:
1:12:13
